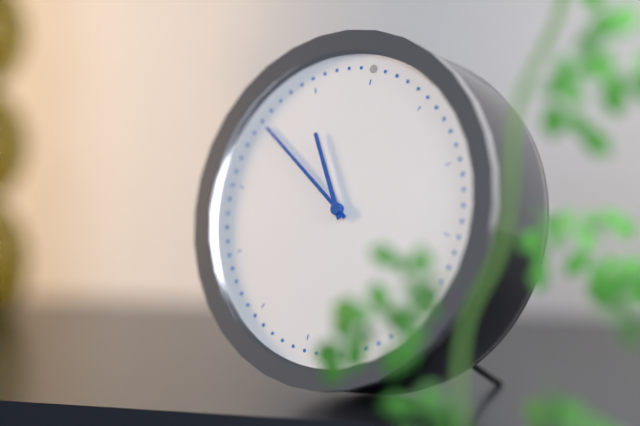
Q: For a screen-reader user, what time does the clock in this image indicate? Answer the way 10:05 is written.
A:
10:50
